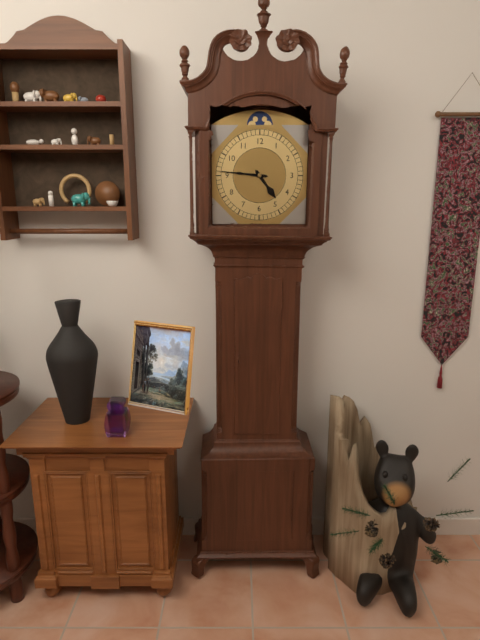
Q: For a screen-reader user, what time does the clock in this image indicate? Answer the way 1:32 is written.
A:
4:46
